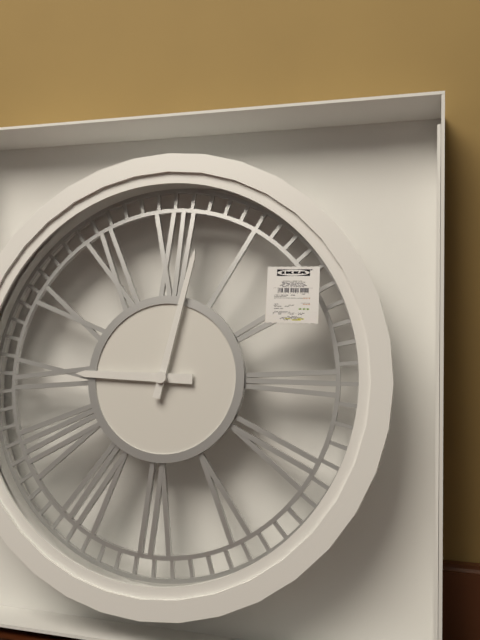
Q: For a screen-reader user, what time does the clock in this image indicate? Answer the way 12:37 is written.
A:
9:02
